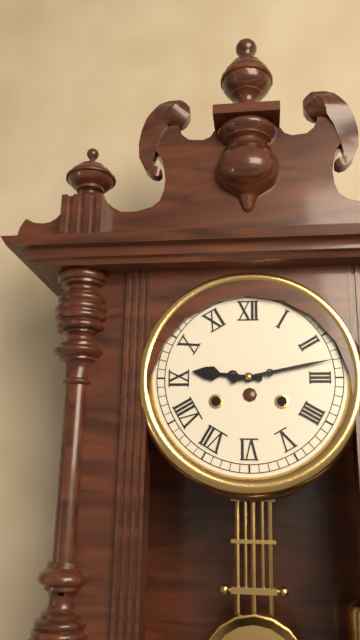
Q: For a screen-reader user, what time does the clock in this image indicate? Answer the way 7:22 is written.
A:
9:13
